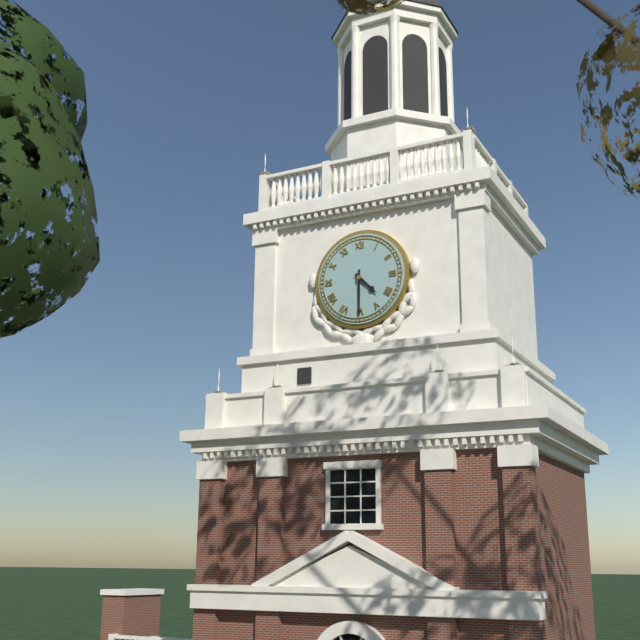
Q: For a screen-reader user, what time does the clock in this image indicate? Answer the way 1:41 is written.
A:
4:30
